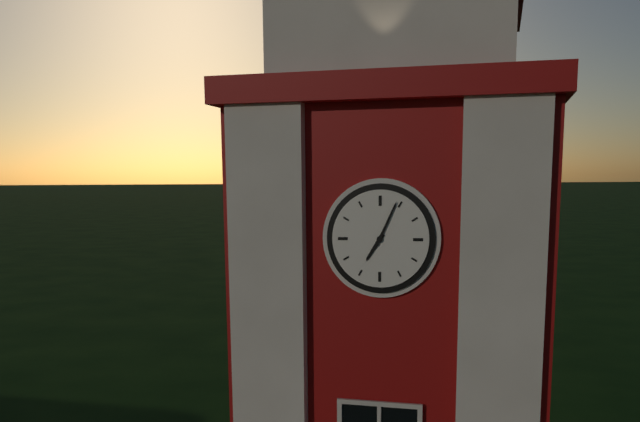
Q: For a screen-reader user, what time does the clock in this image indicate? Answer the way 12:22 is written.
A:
7:04
